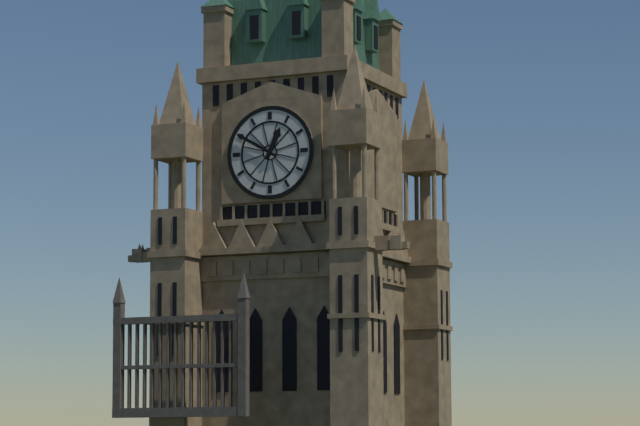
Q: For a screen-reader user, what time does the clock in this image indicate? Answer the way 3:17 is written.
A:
12:50
